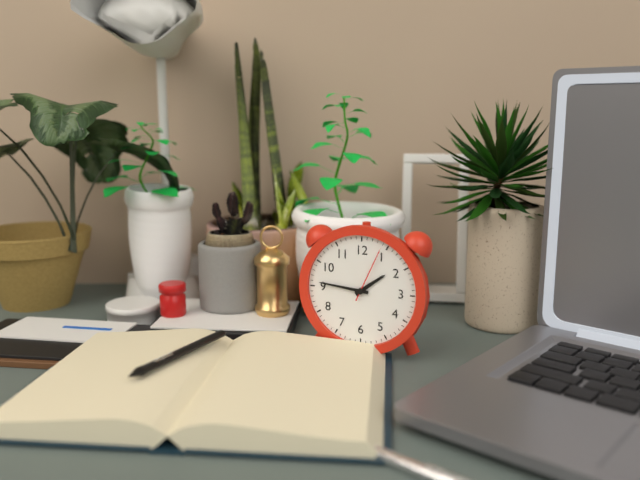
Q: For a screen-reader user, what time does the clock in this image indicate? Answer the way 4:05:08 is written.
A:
1:46:04
